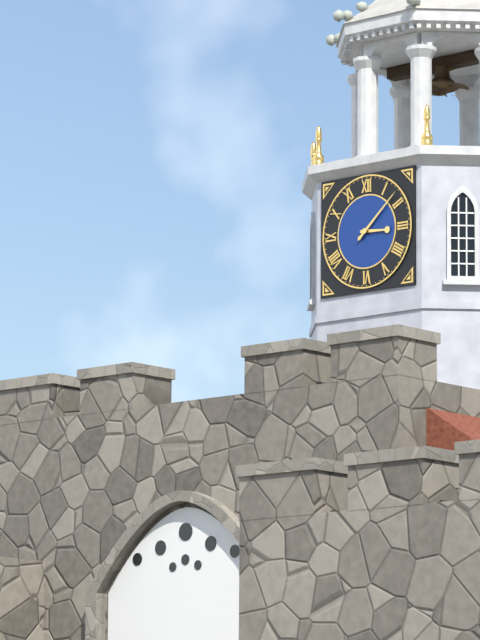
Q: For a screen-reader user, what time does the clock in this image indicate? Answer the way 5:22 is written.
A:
3:08
